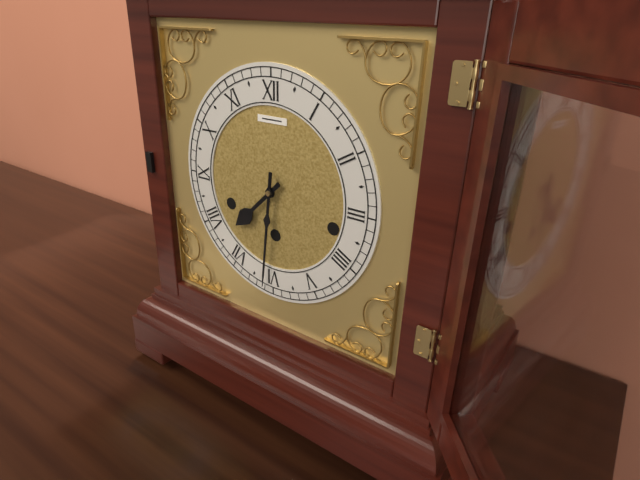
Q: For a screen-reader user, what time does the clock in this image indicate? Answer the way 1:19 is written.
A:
7:31
